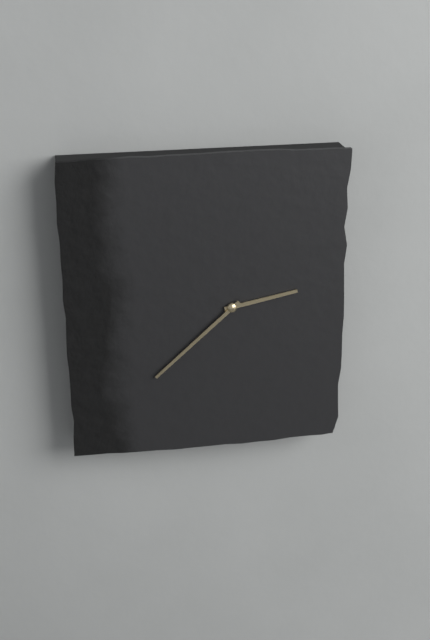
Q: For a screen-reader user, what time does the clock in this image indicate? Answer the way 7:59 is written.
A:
2:38
